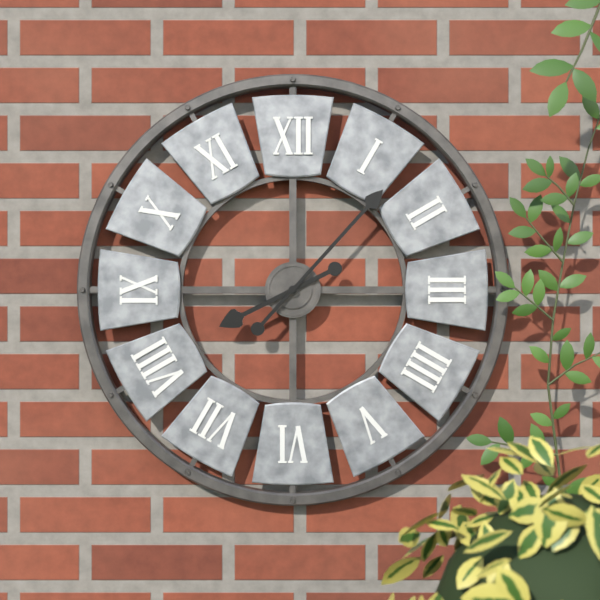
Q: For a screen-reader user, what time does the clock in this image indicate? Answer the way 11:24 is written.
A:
8:07
